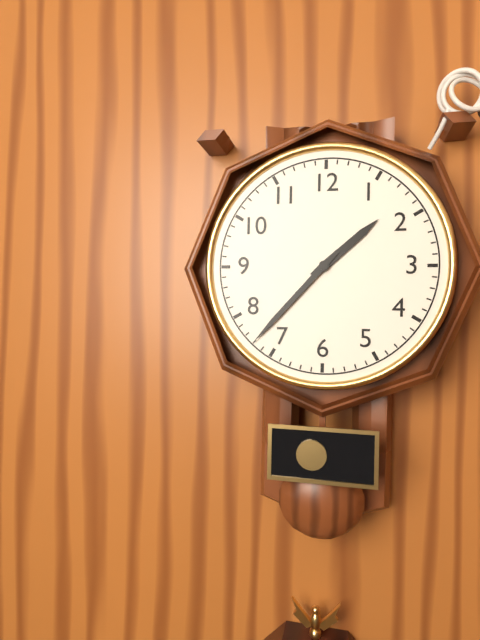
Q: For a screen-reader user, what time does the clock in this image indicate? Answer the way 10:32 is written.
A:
1:37
